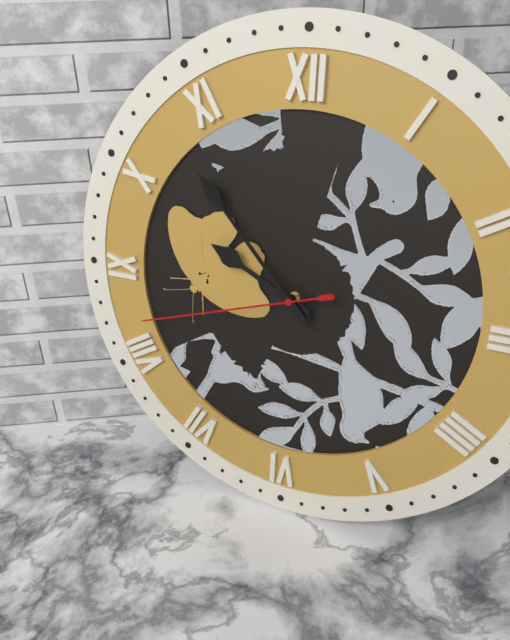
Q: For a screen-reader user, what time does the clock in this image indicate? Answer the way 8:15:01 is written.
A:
9:53:42
